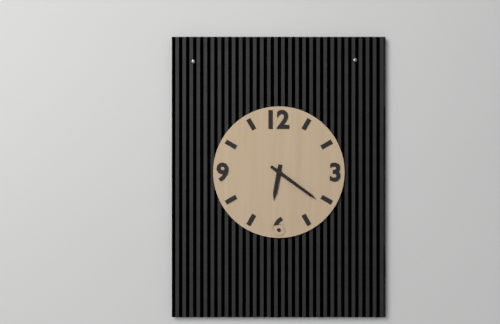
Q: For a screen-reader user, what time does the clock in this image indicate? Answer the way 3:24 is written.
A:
6:21
